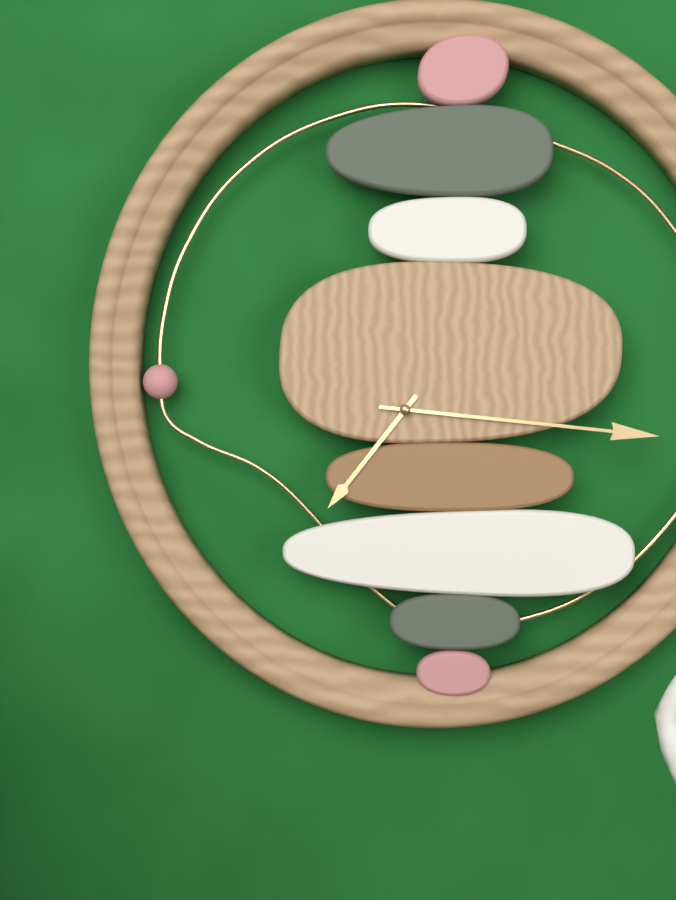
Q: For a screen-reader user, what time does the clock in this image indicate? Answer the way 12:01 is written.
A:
7:16
